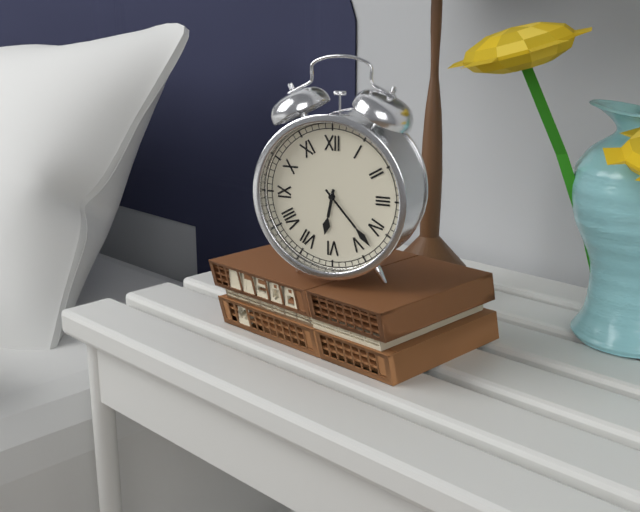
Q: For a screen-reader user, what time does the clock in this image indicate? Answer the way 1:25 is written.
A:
6:23
